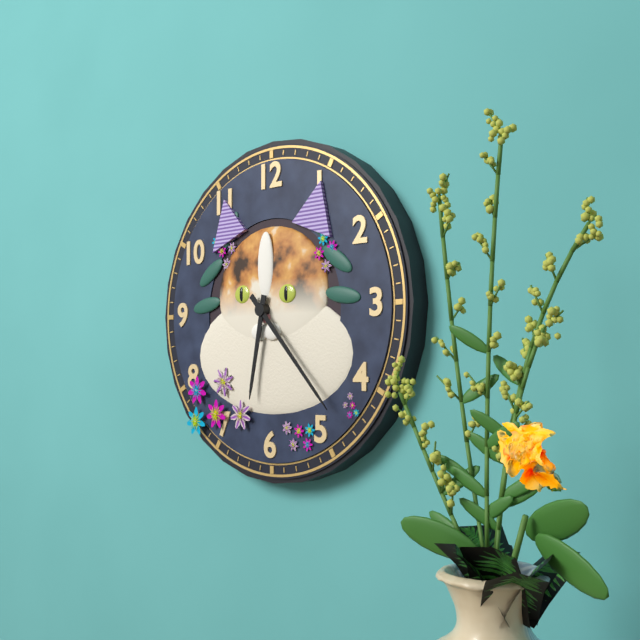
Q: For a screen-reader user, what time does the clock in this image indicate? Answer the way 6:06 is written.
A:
6:23
